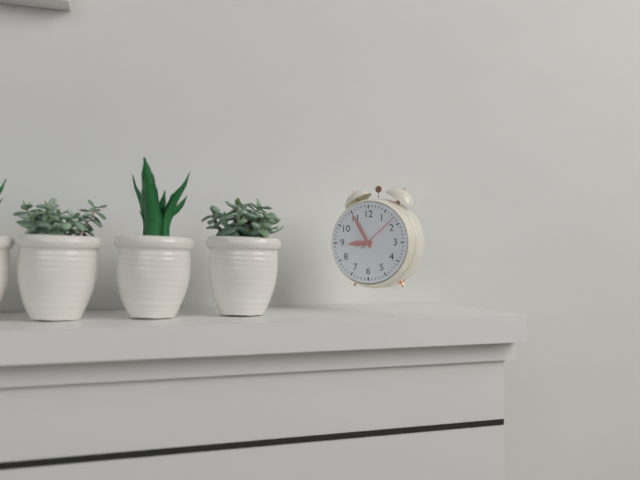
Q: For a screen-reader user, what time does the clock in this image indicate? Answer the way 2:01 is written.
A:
8:55
